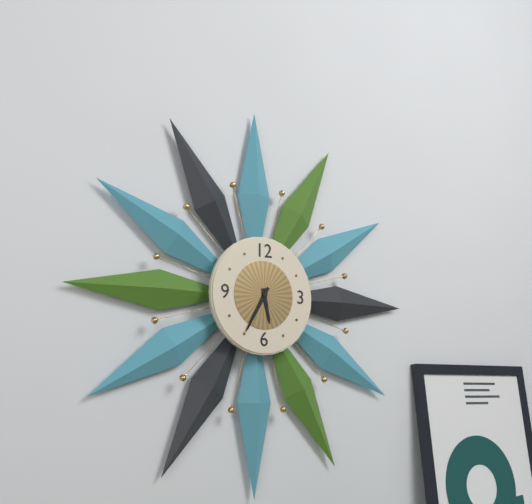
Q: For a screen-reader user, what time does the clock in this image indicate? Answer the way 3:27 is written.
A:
5:35
